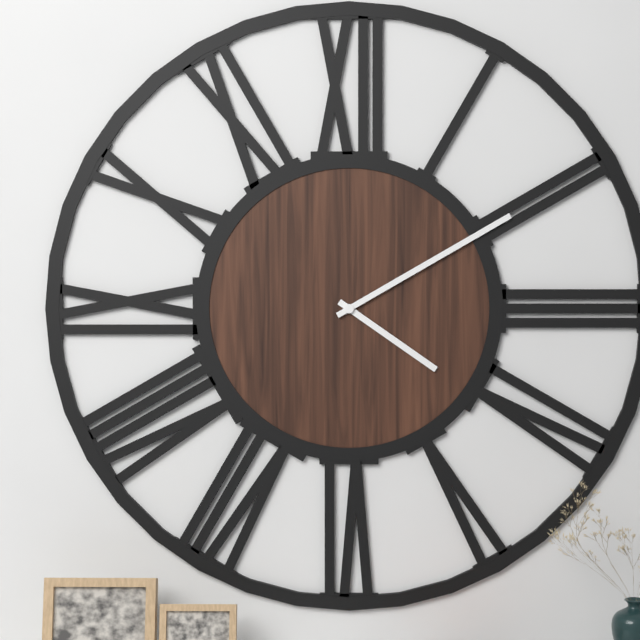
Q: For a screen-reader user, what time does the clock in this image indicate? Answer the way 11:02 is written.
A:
4:10
